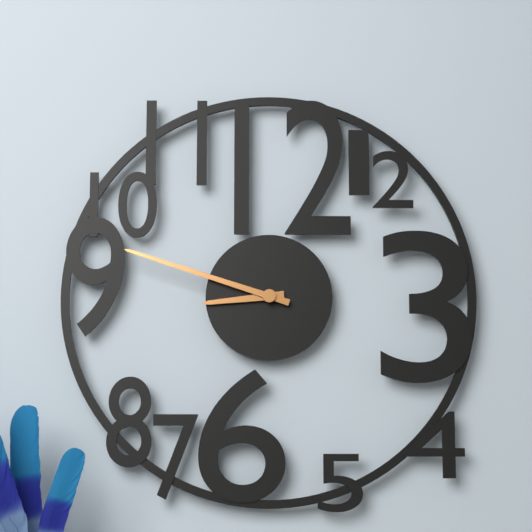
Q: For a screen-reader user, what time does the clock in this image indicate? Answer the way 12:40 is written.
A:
8:48
